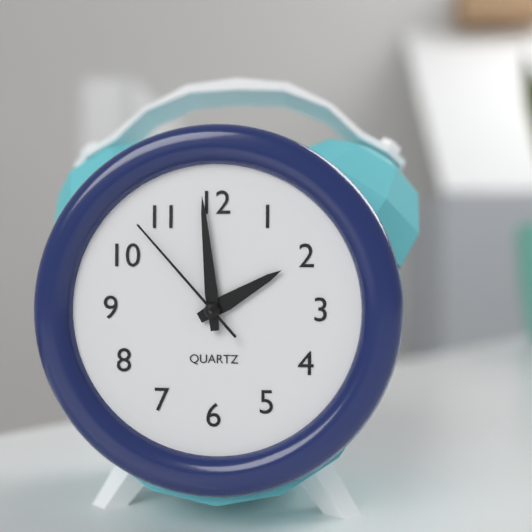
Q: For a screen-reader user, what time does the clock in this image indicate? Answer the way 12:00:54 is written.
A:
1:59:53
